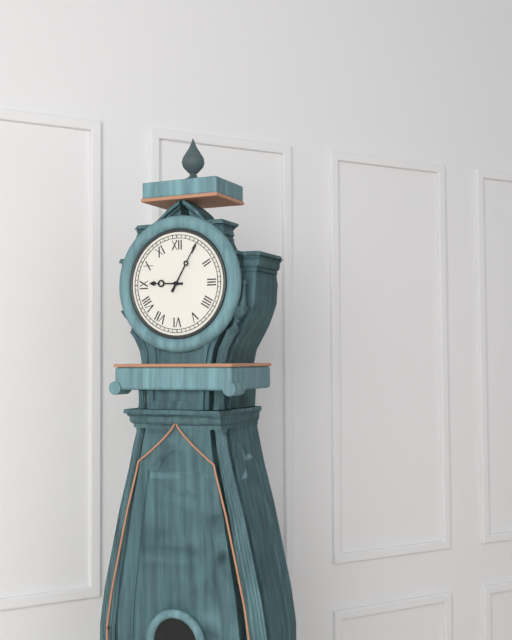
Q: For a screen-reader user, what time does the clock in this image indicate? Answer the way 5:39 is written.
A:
9:05
